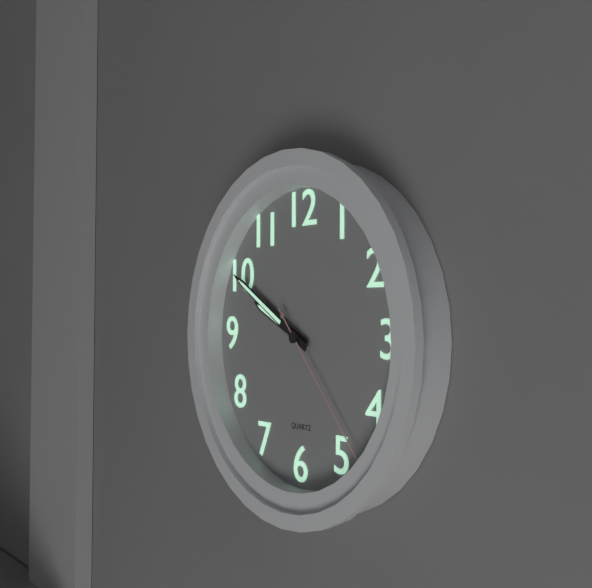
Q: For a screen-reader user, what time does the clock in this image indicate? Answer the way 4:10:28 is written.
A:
9:50:23
